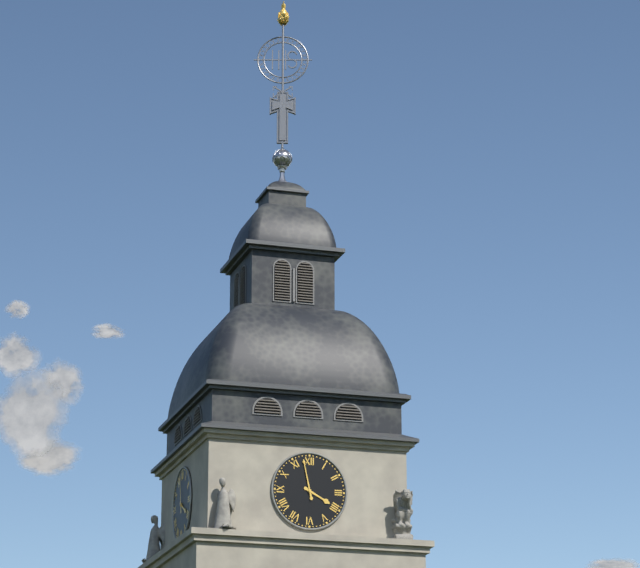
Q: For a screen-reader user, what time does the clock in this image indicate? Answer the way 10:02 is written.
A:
3:58
